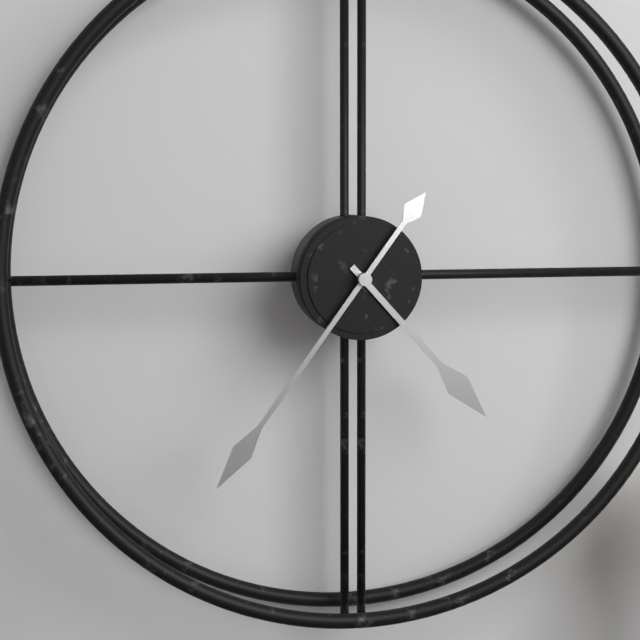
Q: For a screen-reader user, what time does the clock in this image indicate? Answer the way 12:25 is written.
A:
4:36
